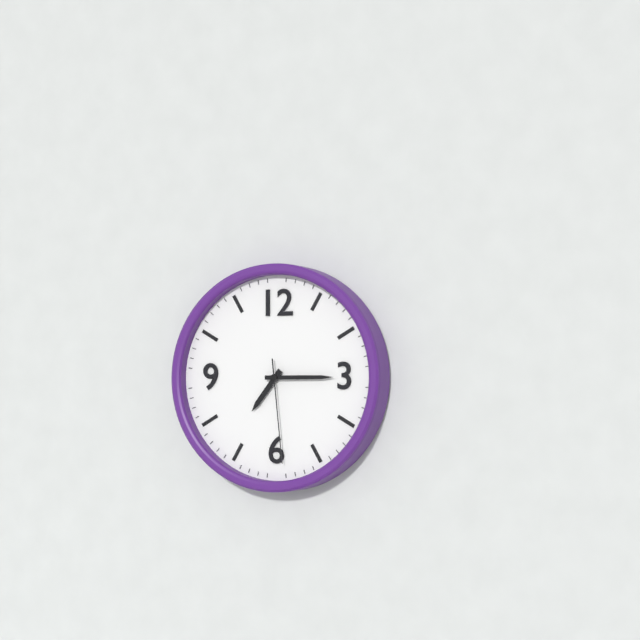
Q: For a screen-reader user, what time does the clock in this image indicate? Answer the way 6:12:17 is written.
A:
7:15:29
